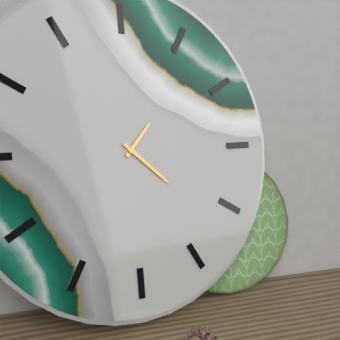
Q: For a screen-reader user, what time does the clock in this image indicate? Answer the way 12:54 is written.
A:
1:22
